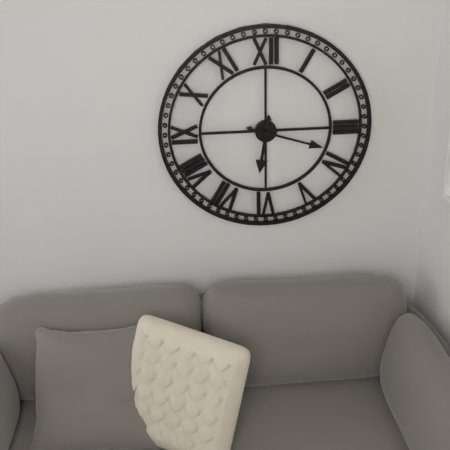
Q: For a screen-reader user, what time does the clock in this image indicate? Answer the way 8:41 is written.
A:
6:18
